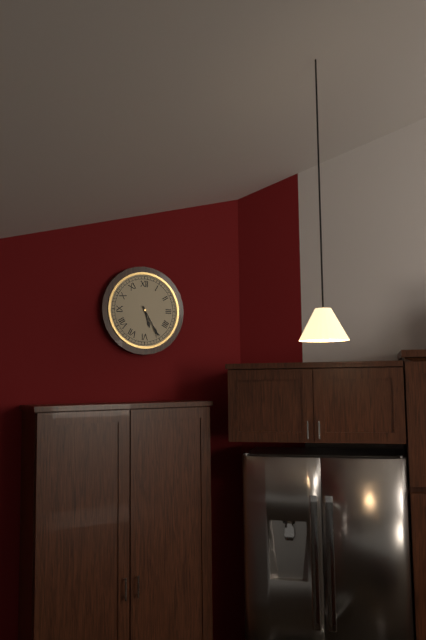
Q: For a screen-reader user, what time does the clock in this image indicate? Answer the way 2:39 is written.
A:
5:25
